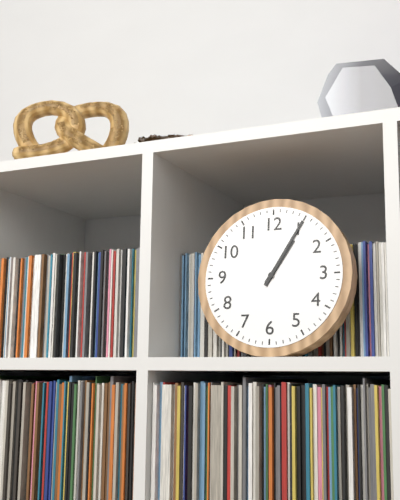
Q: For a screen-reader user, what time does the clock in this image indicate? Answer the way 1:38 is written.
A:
1:05
